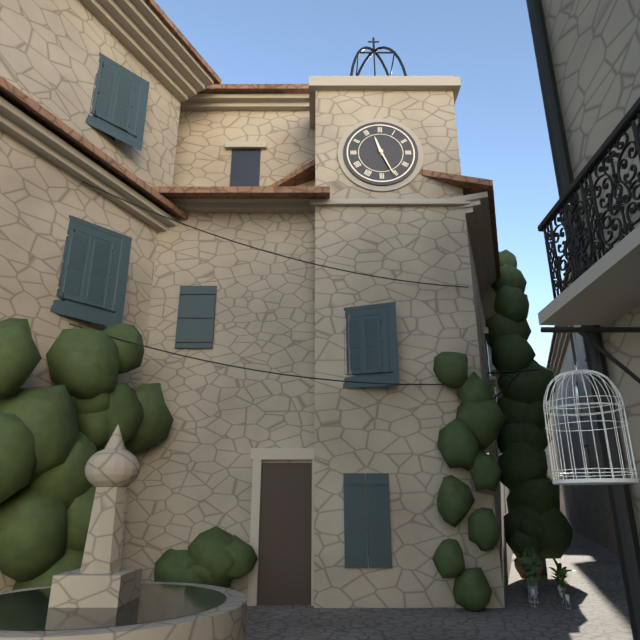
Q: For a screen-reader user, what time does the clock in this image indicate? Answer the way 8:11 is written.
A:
11:26
